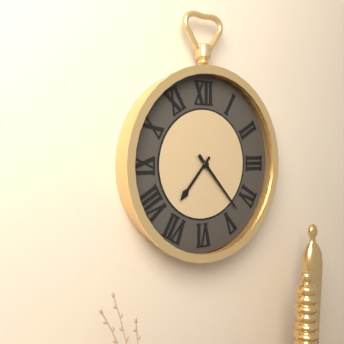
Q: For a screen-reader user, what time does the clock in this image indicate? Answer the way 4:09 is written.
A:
7:23
